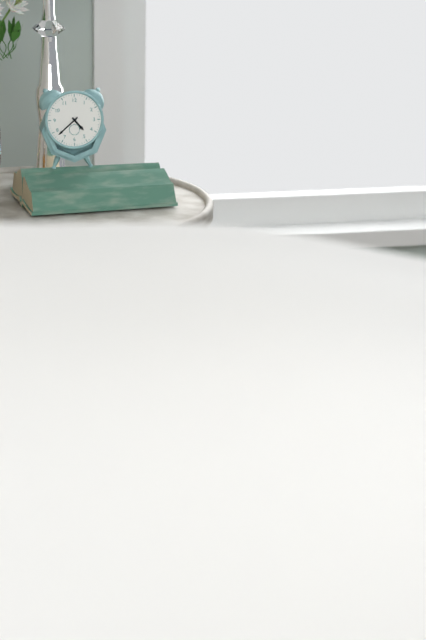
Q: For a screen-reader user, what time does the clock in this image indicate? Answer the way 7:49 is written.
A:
4:38
